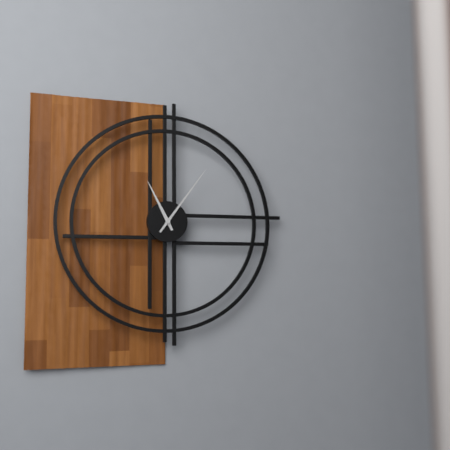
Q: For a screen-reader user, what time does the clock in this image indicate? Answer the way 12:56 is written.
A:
11:06
